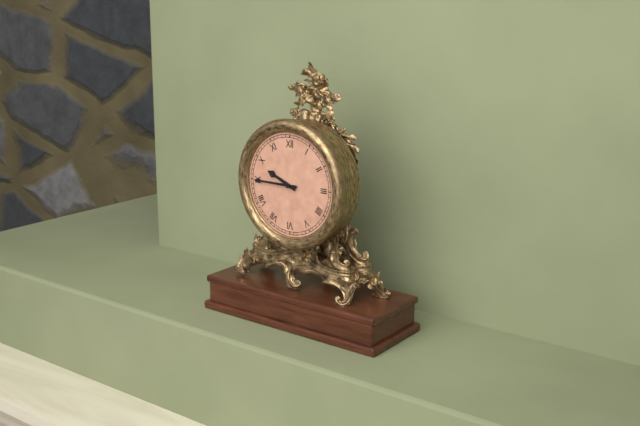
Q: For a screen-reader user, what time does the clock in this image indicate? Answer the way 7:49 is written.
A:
9:45
